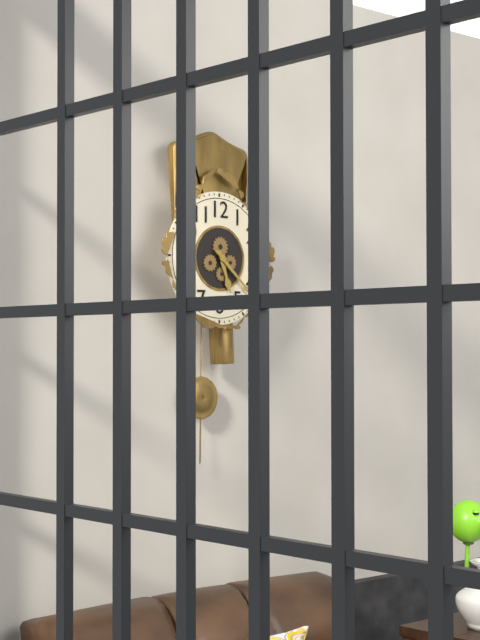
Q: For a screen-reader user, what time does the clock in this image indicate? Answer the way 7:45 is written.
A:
5:22
